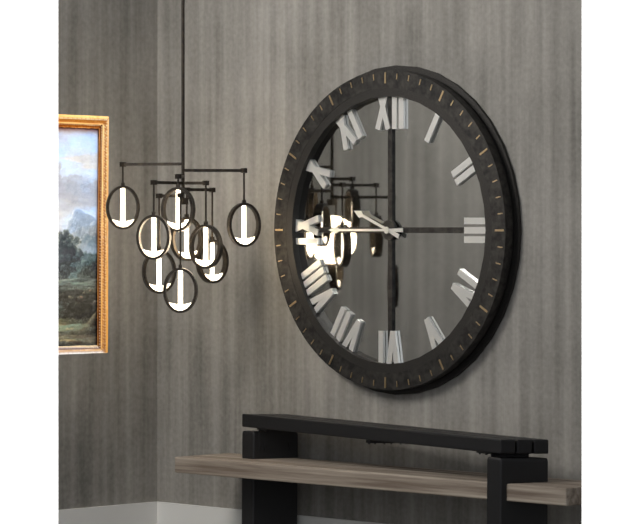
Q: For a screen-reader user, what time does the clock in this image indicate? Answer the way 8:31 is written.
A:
9:45
